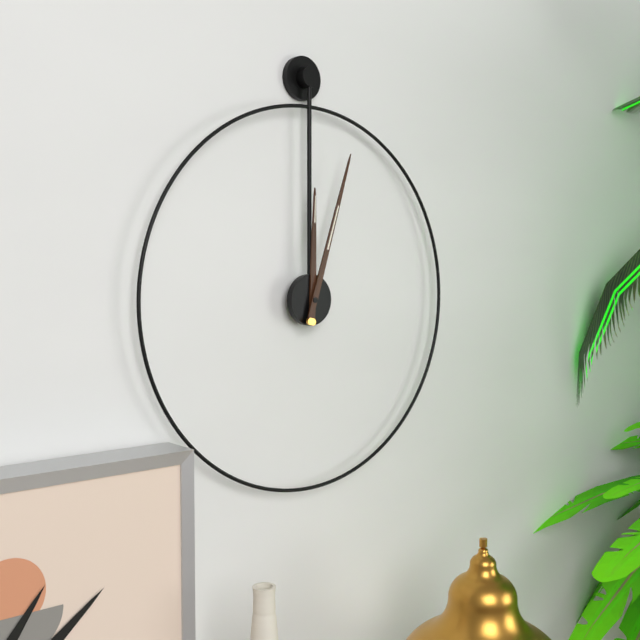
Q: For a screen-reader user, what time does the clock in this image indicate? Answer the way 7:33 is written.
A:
12:03
